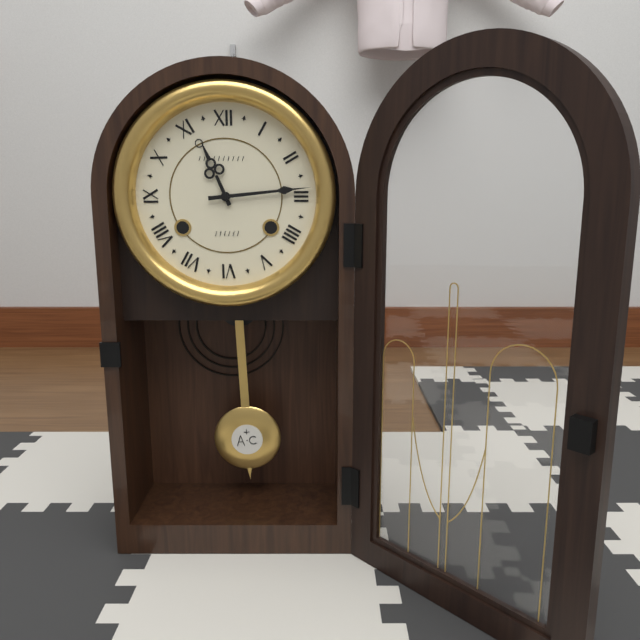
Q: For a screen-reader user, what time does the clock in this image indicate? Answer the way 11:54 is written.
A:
11:14
